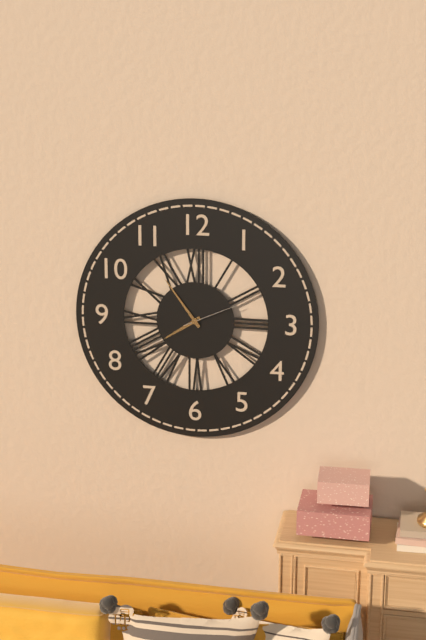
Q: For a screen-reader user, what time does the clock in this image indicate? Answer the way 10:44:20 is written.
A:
7:54:11
